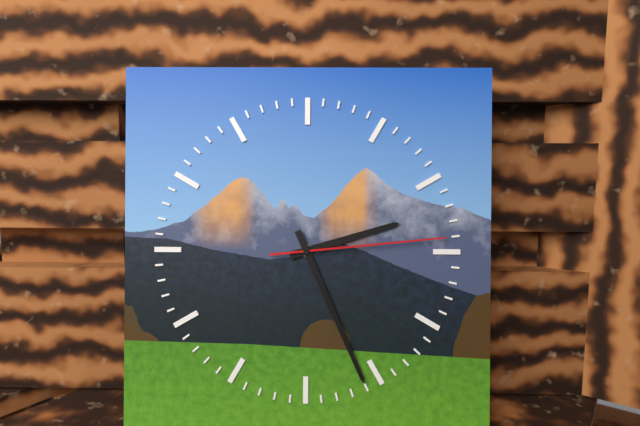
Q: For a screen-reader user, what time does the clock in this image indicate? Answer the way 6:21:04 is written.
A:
2:26:14
